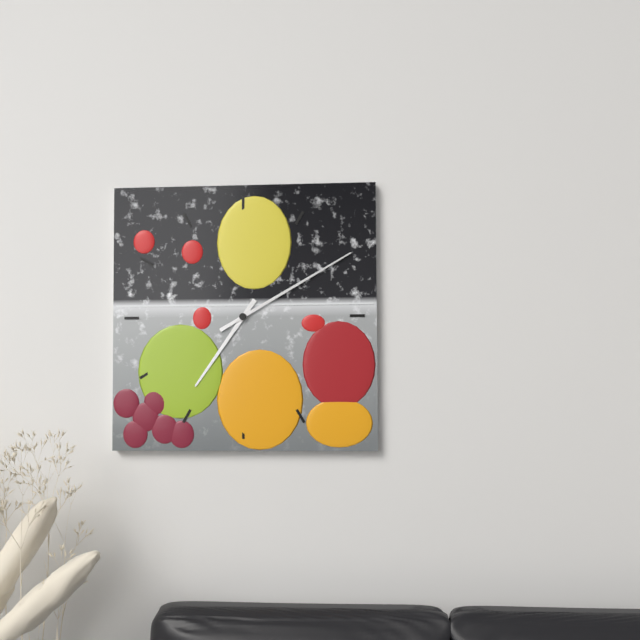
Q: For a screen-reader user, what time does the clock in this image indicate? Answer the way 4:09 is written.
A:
7:10
